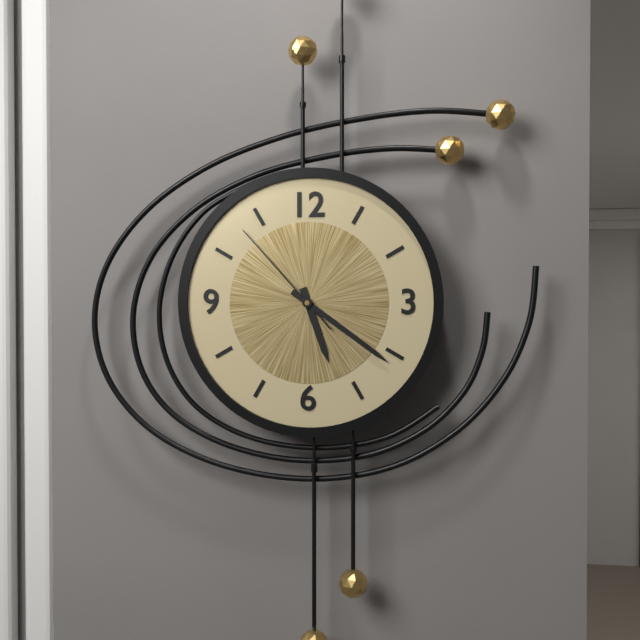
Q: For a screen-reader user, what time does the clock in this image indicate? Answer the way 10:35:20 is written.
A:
5:21:53
